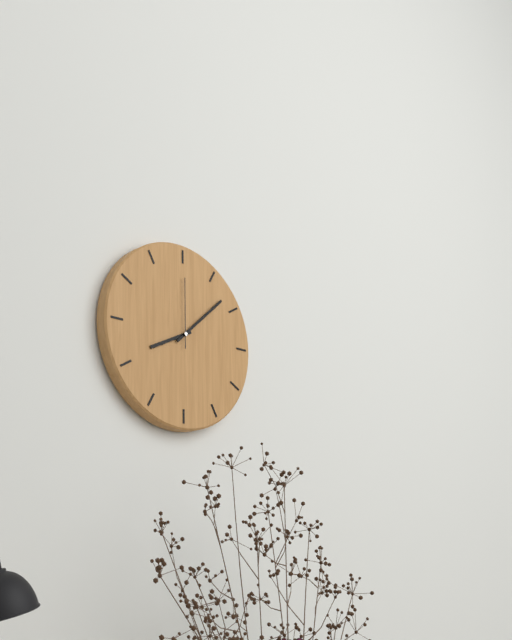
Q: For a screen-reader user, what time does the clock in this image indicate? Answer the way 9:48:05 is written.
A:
8:08:00
